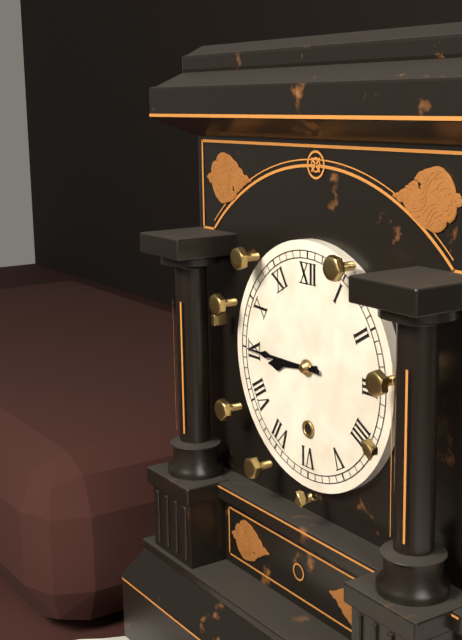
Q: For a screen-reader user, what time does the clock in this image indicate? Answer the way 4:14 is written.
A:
8:45
